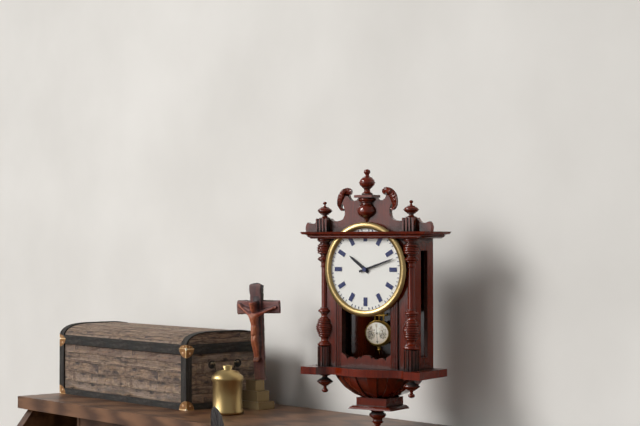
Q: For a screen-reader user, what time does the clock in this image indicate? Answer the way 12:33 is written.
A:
10:12
